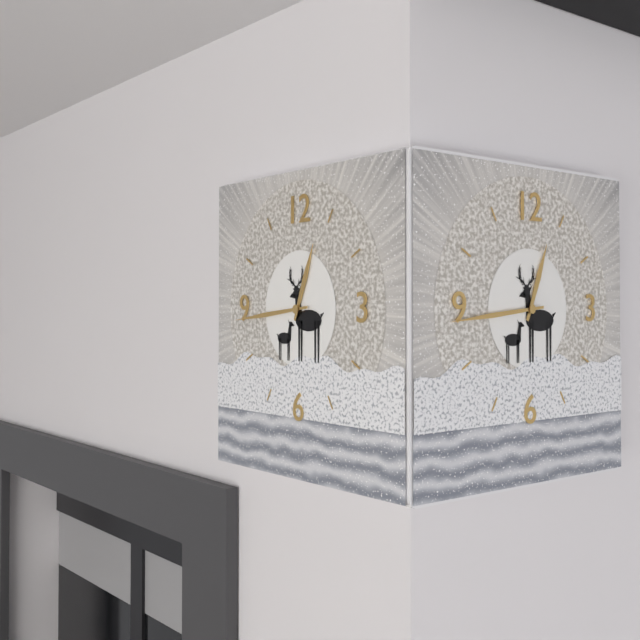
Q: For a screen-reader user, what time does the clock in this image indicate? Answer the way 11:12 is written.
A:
12:44
